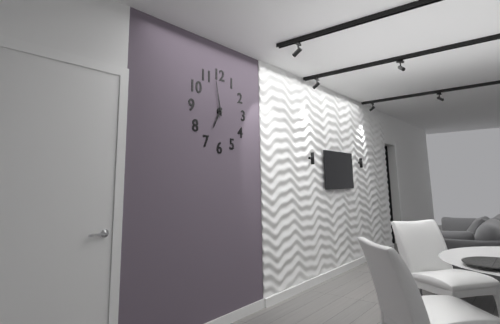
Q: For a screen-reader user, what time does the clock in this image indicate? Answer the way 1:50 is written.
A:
6:58
